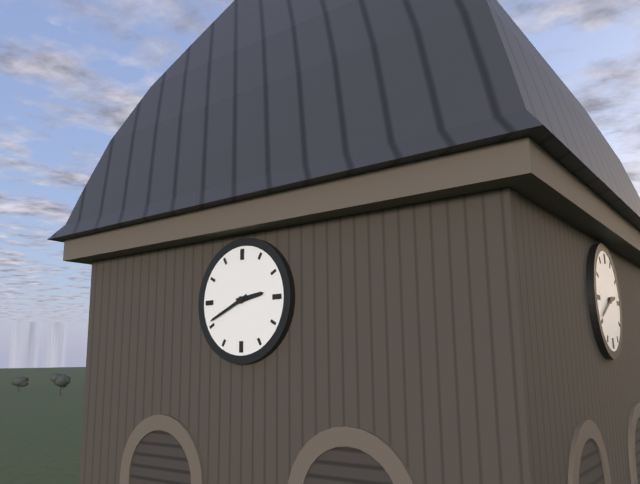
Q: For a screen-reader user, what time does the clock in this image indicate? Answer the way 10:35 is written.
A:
2:41
